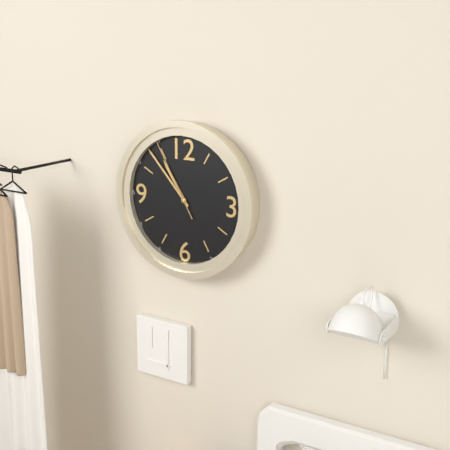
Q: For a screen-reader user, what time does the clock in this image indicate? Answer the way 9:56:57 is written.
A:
10:53:55
